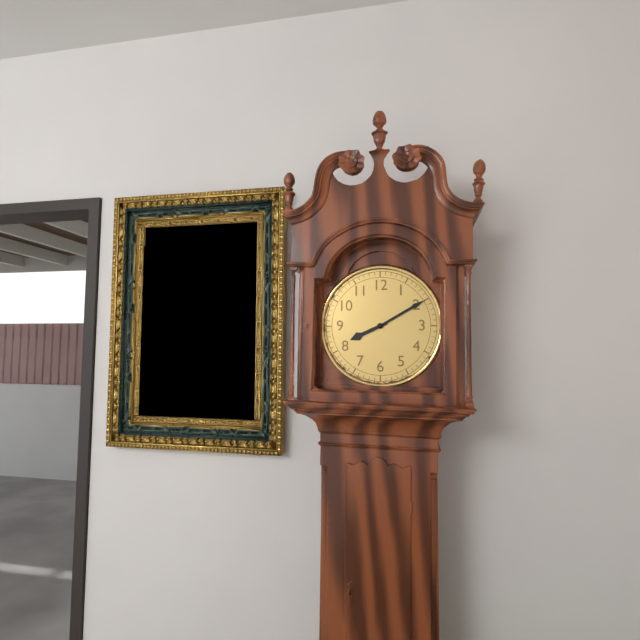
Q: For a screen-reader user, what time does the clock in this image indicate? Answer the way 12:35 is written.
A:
8:10
